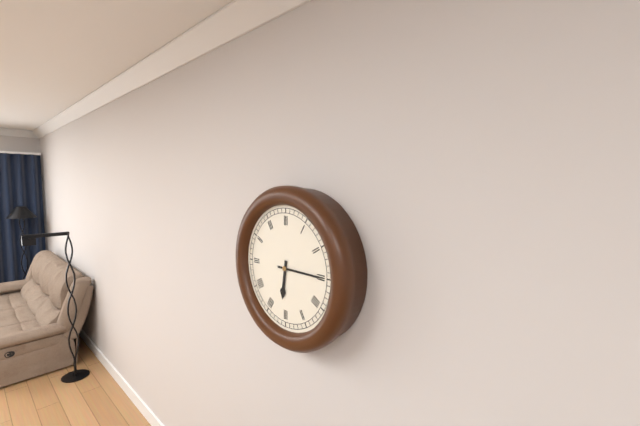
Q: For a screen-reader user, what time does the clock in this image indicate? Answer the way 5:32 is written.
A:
6:15
